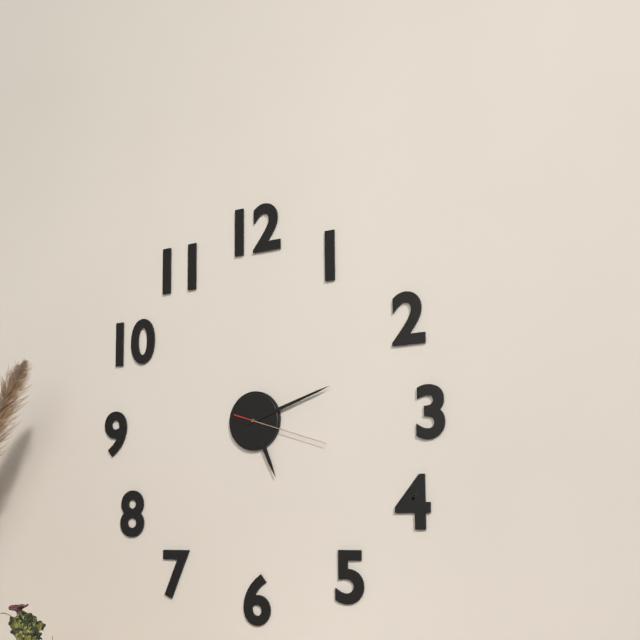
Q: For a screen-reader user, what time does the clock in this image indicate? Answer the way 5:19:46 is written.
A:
5:12:18
